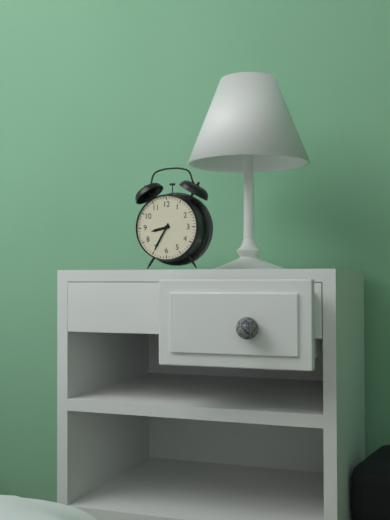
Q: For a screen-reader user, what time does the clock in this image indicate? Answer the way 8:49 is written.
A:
8:35
